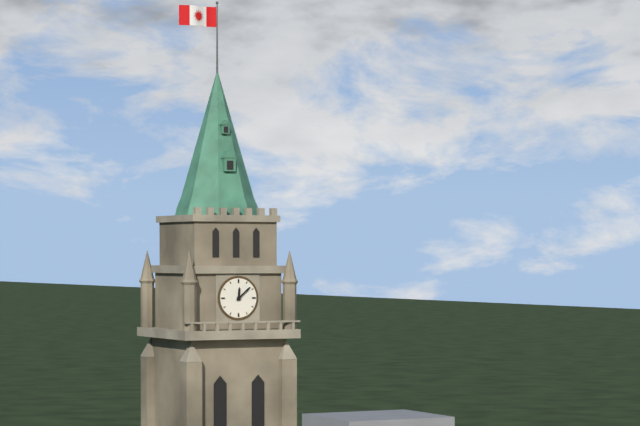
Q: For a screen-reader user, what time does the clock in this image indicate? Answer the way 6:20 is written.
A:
12:08
